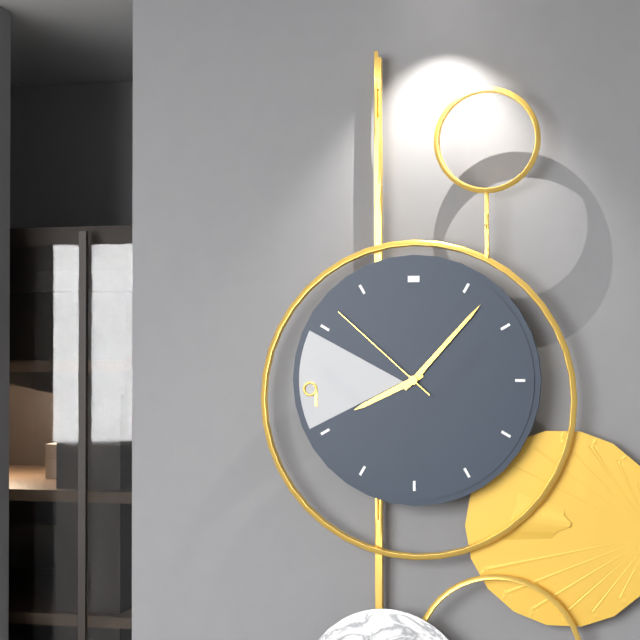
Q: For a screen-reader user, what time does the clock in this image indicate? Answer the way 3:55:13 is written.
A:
8:07:52
